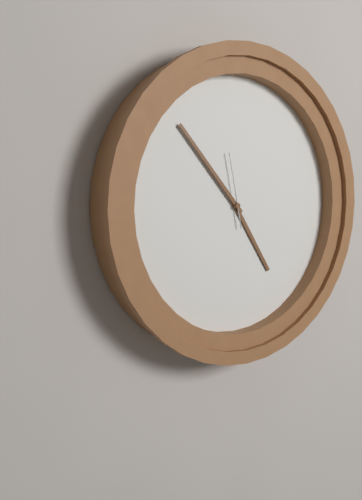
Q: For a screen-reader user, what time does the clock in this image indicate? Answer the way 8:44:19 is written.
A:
4:53:58
